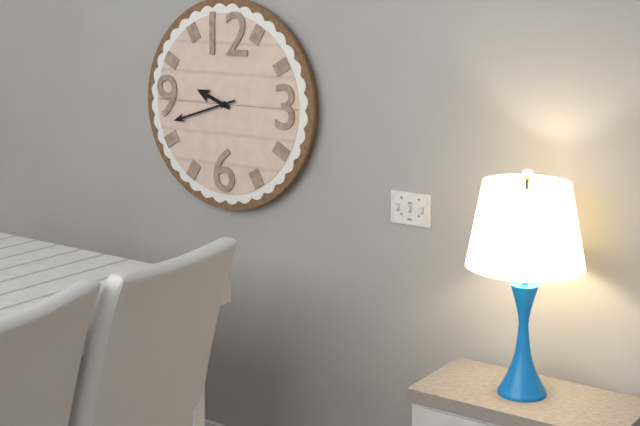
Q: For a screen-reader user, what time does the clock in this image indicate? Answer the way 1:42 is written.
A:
9:42
